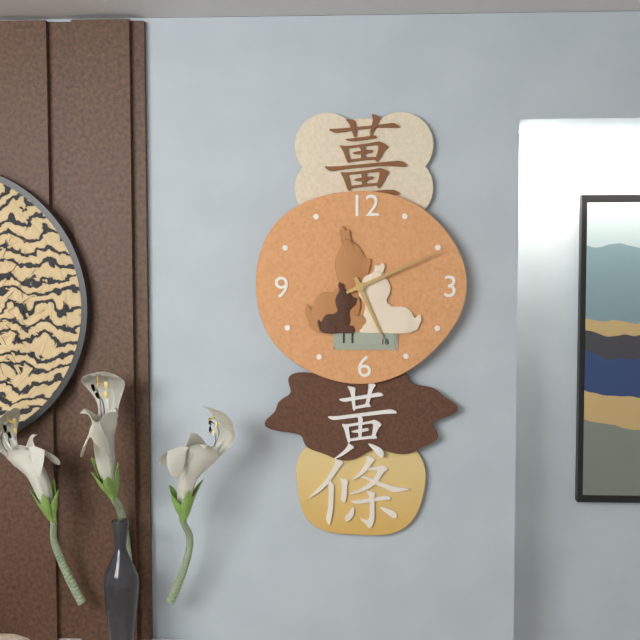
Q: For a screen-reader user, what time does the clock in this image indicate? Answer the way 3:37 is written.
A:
5:11
